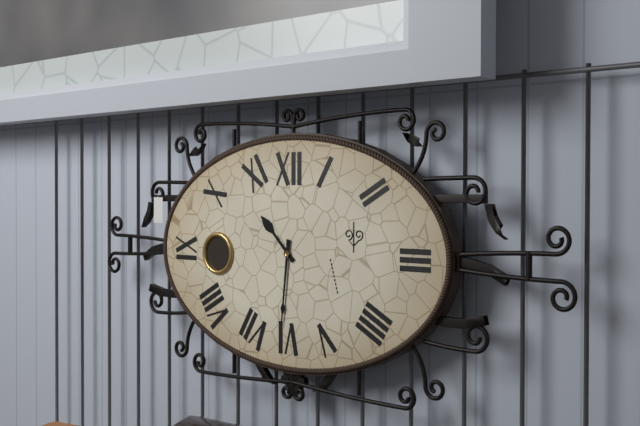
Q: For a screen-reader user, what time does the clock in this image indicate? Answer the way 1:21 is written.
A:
10:31
